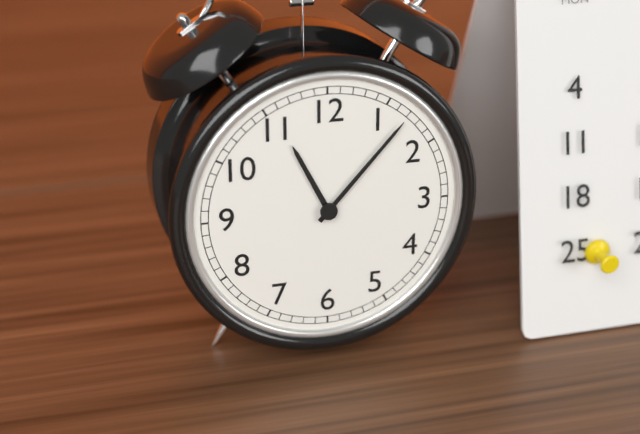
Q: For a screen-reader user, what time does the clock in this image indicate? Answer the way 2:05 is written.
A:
11:07
